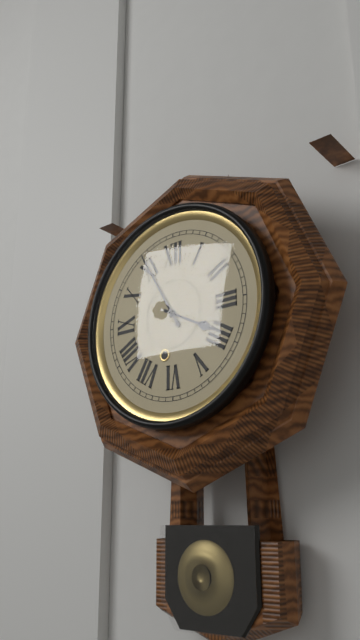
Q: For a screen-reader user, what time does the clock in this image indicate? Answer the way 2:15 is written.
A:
3:55
